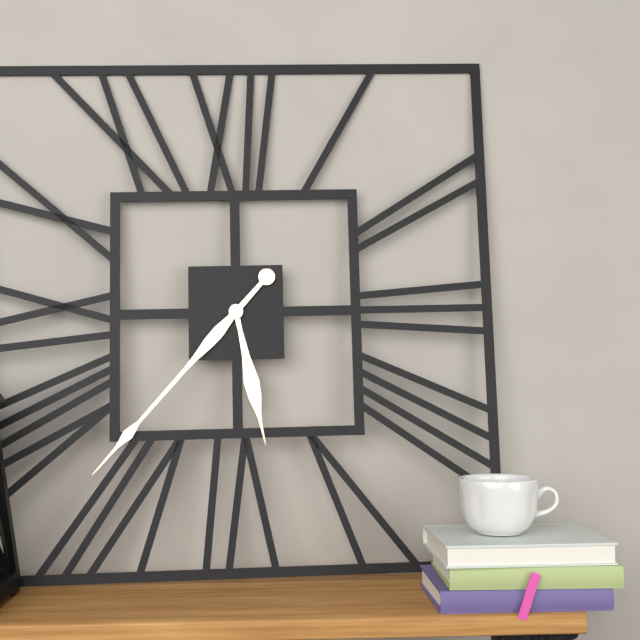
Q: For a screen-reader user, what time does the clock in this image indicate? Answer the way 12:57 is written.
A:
5:37
